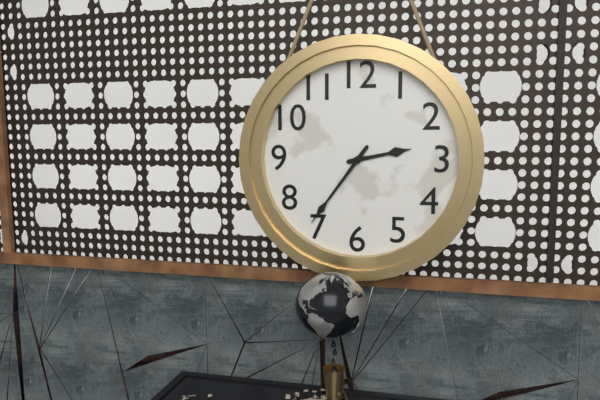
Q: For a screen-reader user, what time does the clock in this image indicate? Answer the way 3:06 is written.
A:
2:36
